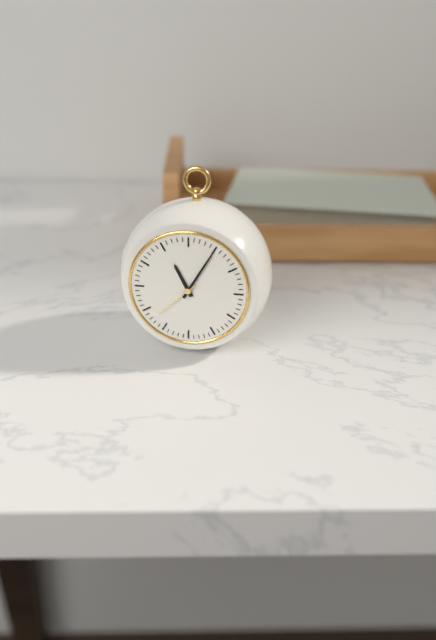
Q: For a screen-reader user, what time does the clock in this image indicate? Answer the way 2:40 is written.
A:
11:05
